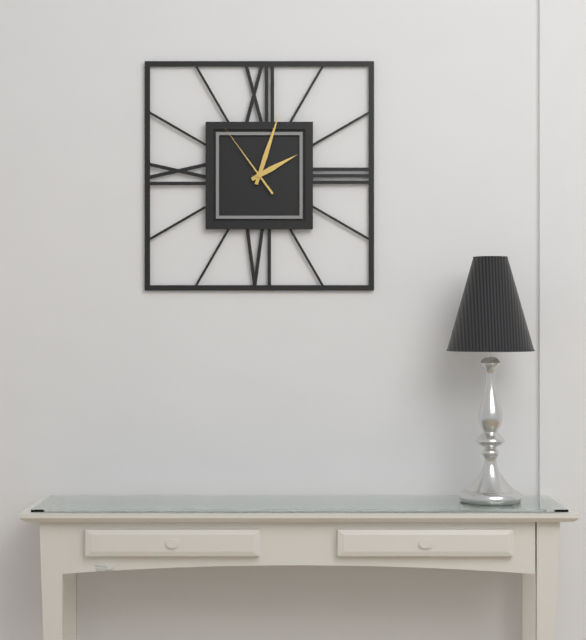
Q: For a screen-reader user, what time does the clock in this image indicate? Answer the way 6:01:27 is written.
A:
2:03:54
